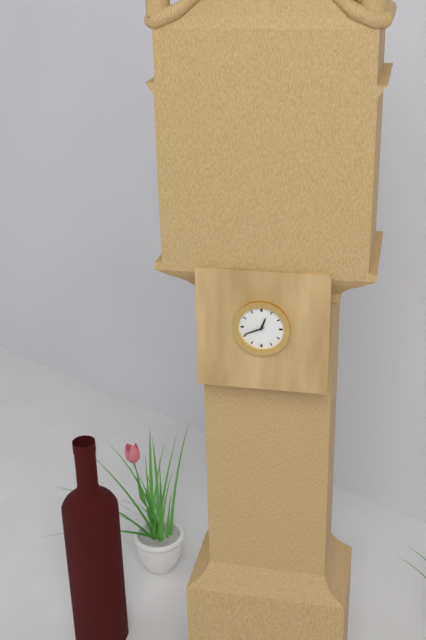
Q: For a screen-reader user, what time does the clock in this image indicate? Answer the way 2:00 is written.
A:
12:41
